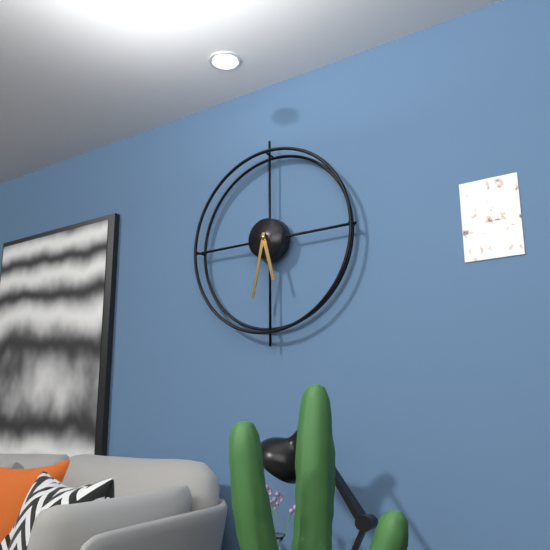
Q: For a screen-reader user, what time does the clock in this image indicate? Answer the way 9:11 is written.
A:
5:32
